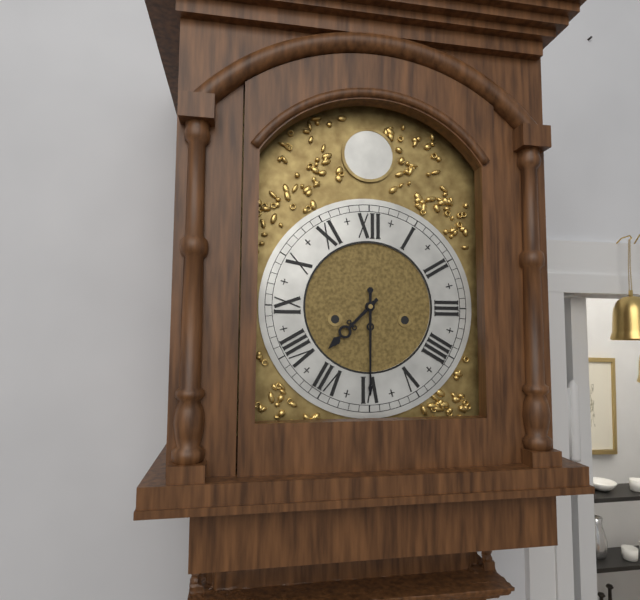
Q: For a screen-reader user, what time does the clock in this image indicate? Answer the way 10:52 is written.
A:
7:30
